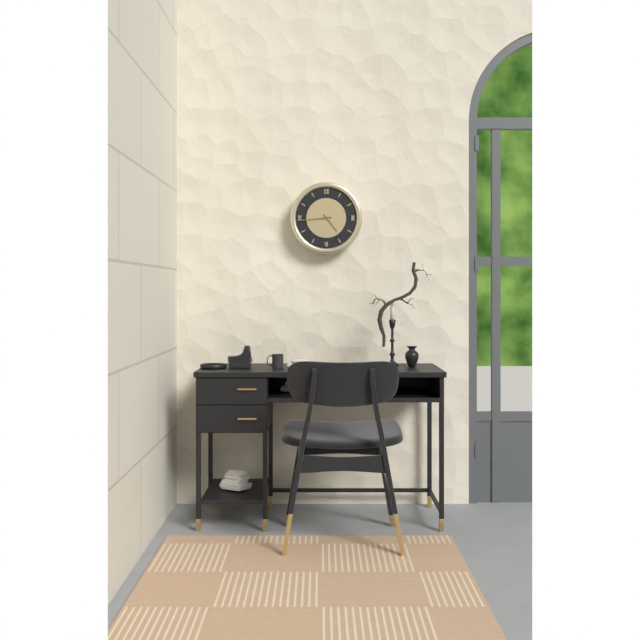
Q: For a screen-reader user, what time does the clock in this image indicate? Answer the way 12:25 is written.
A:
4:44
